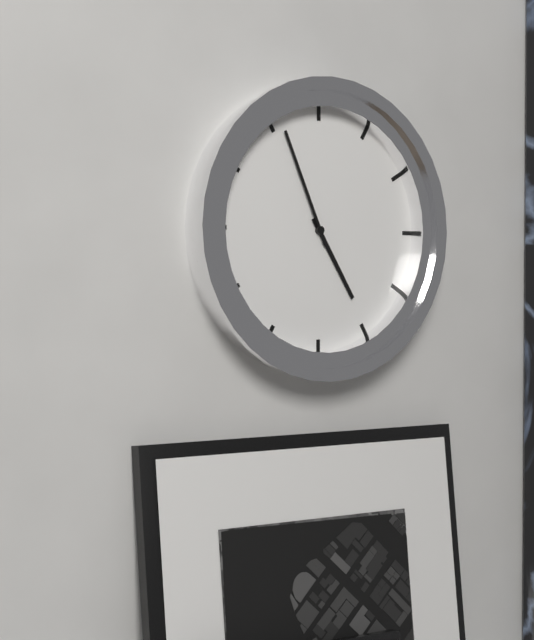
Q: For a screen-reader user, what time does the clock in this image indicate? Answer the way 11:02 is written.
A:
4:56
